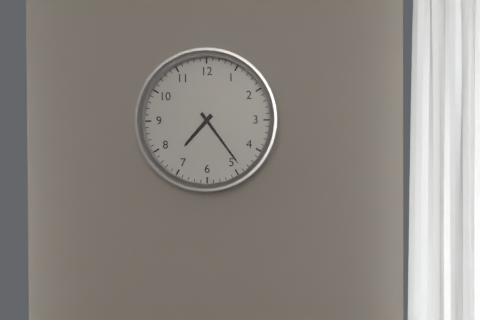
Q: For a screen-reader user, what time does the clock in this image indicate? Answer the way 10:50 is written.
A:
7:24
